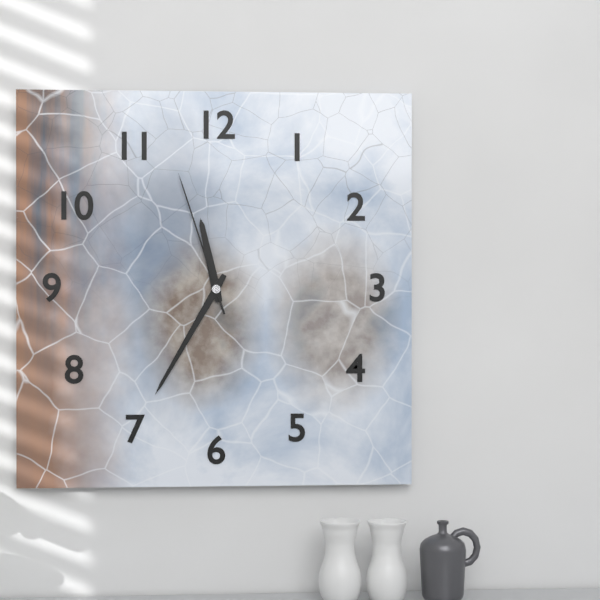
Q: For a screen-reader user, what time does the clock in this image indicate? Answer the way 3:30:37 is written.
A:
11:35:57
